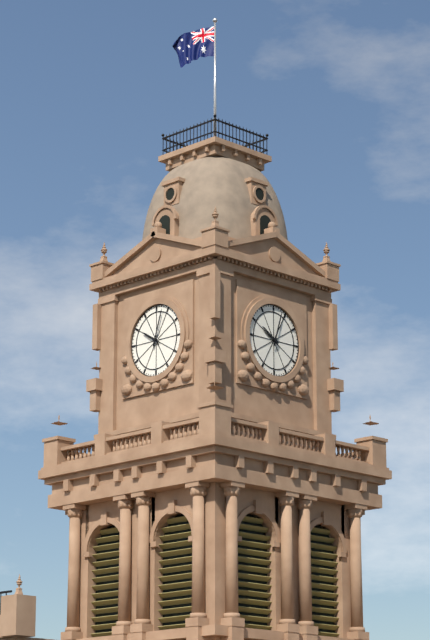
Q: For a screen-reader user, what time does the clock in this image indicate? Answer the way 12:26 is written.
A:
10:03
